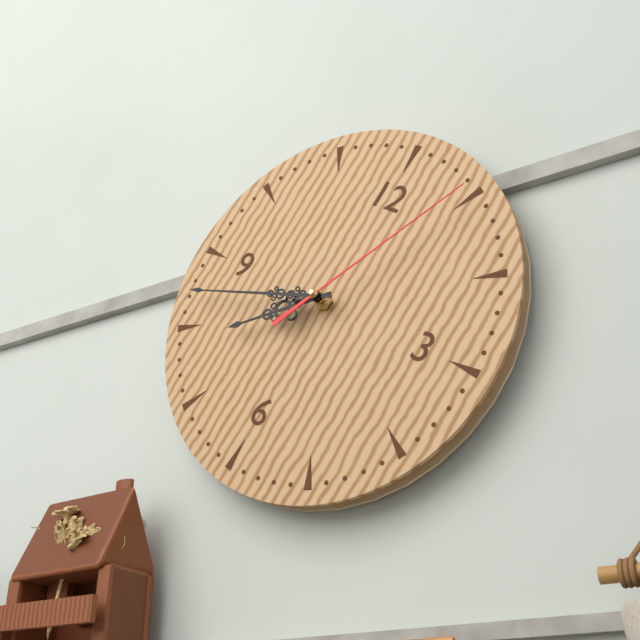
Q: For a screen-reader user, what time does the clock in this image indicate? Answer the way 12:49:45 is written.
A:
7:42:05
